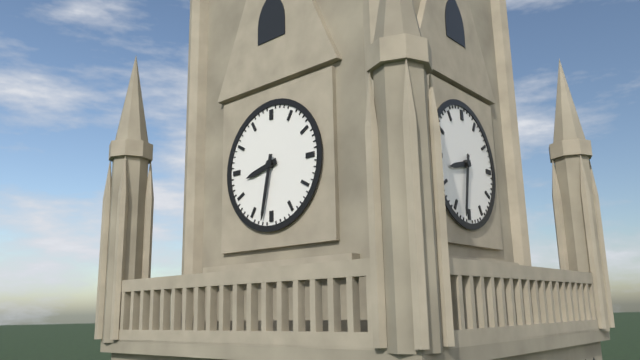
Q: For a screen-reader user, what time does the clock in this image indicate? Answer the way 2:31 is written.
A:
8:32
